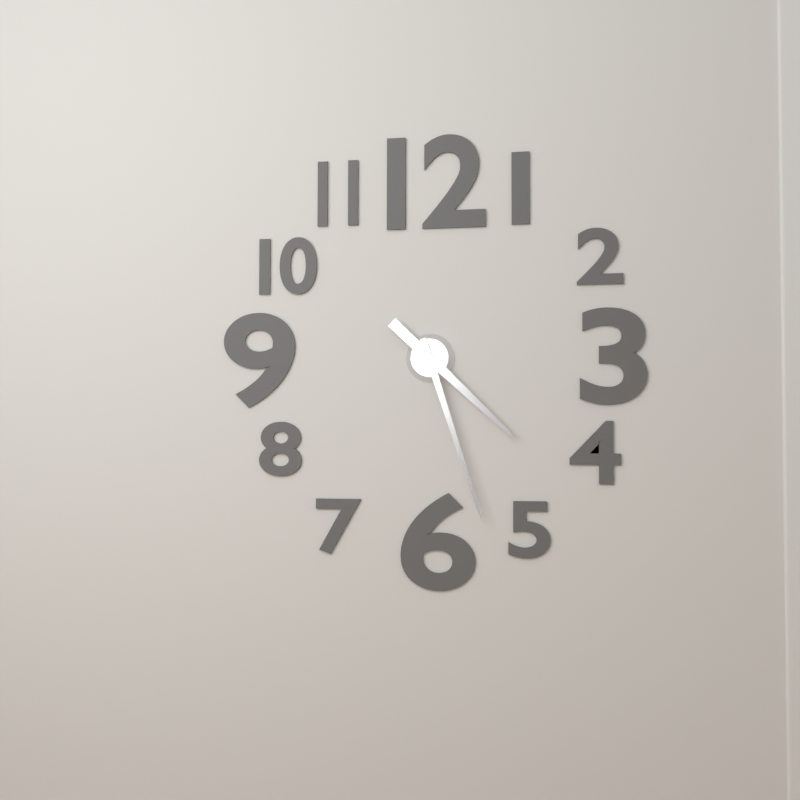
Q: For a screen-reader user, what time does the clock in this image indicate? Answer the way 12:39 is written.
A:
4:27
